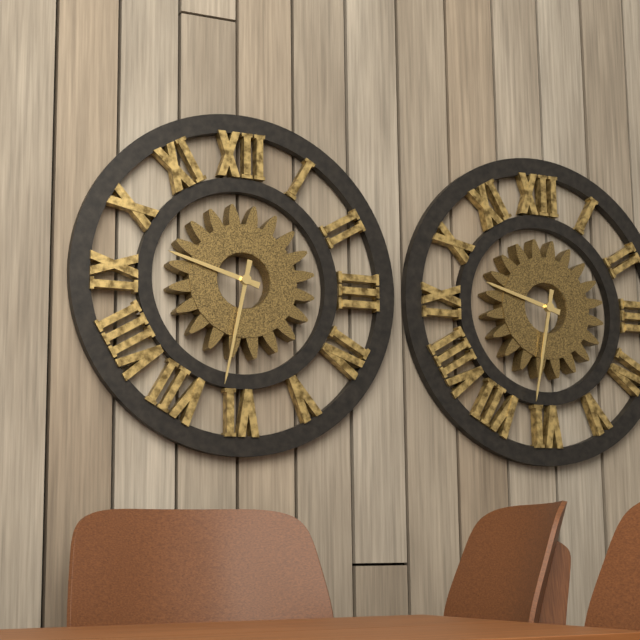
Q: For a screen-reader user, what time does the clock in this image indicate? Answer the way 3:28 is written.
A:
9:32
